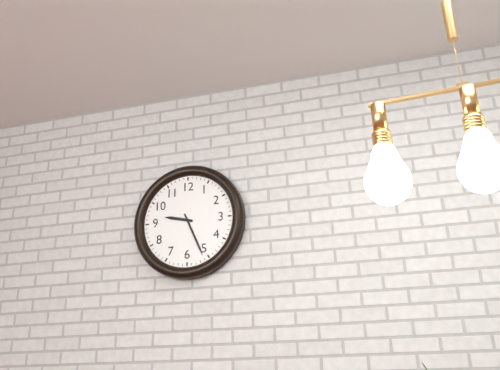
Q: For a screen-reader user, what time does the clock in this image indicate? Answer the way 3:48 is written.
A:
9:26
